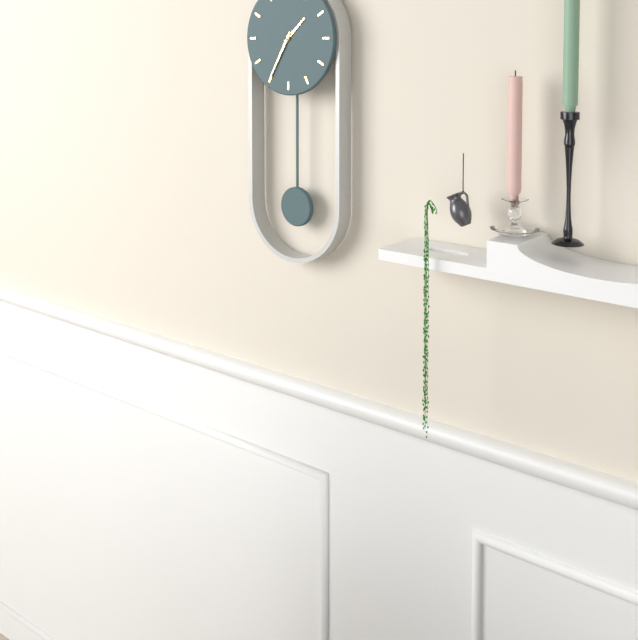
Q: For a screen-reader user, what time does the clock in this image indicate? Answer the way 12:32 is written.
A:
1:35
